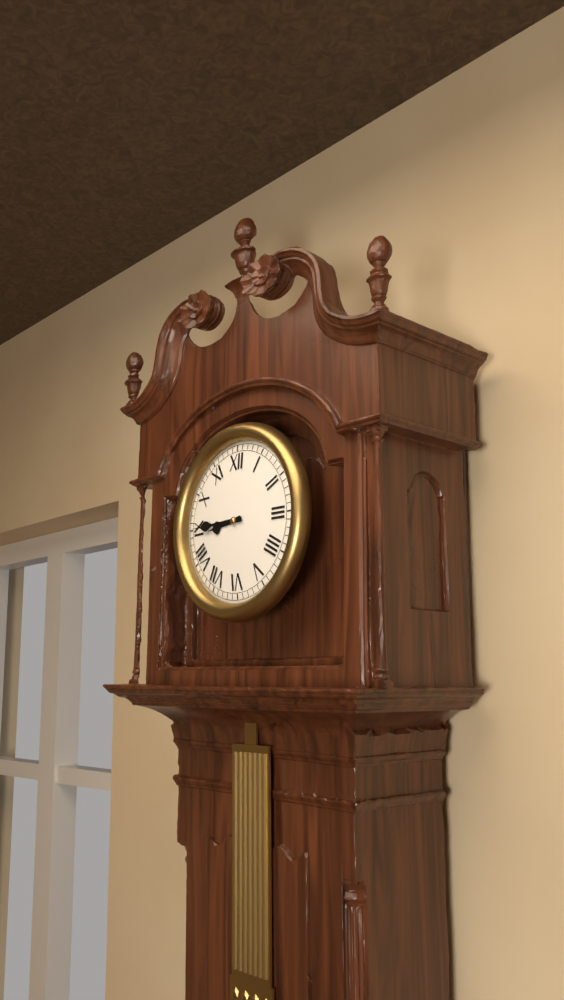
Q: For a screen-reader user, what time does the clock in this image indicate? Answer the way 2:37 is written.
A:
8:45
